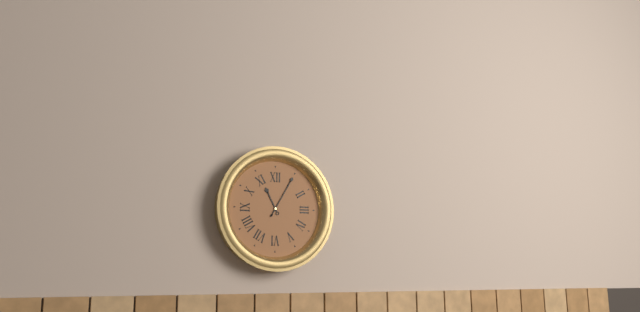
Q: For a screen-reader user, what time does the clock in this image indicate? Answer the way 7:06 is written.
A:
11:05
